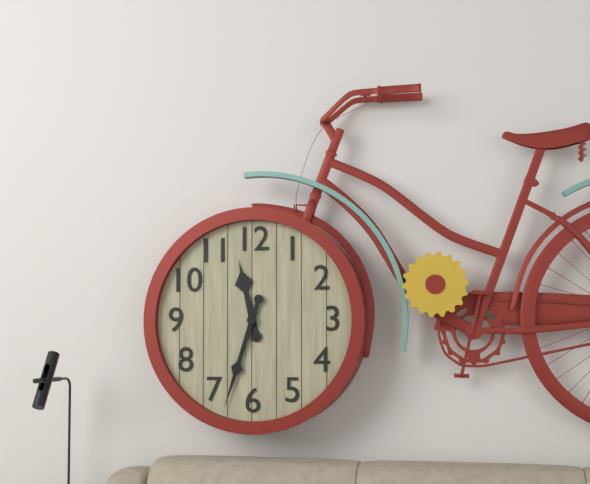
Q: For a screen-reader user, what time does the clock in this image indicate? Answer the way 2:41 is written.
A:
11:33
